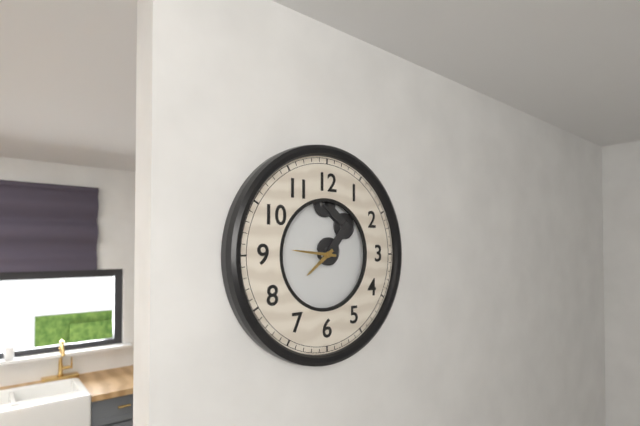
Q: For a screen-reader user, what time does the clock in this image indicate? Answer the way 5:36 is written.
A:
7:46
